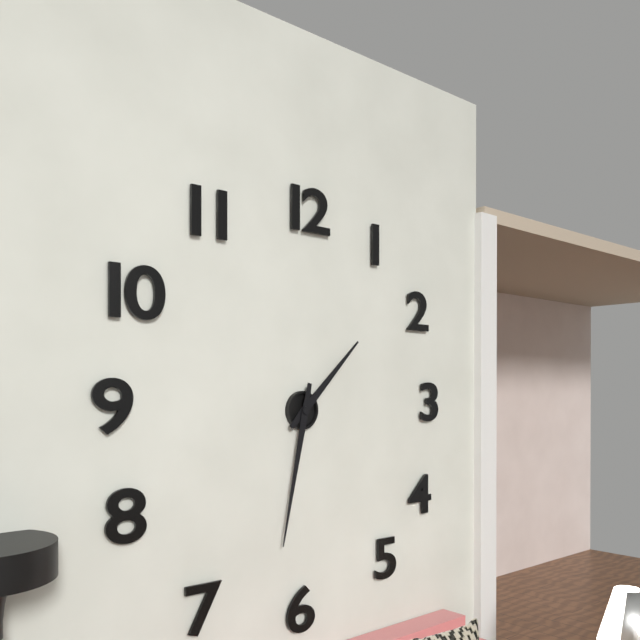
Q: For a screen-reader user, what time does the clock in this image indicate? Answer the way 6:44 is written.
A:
1:32
